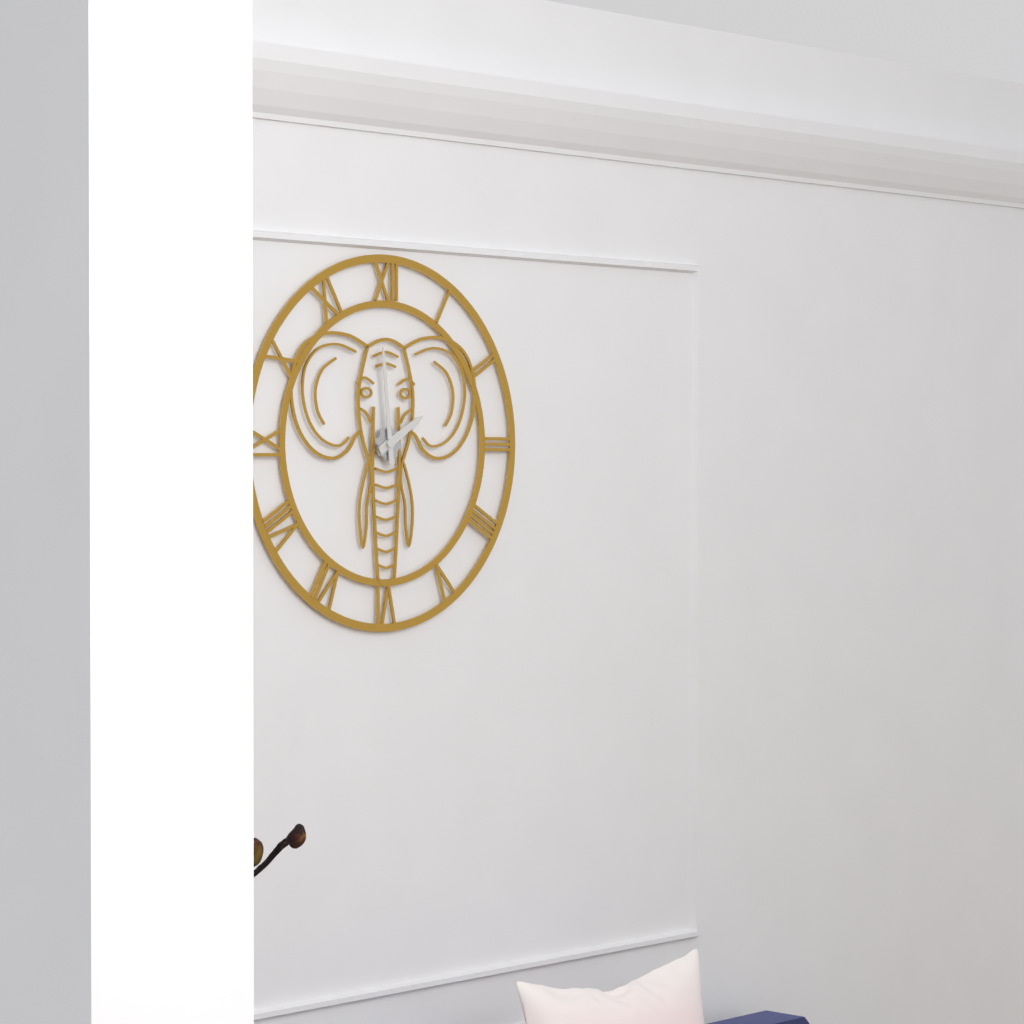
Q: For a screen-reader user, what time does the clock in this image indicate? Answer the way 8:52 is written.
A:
1:59
